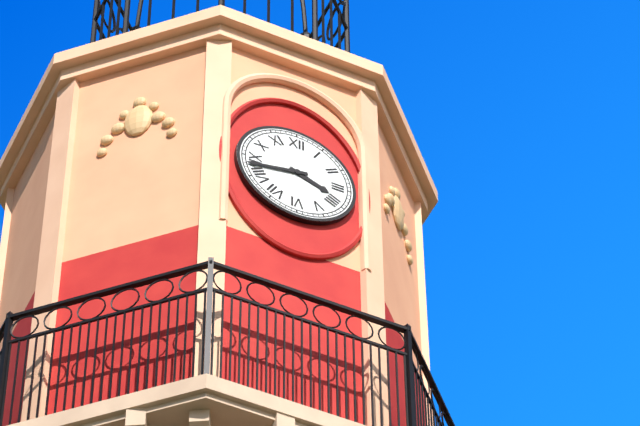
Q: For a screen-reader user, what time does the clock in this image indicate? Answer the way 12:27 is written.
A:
3:43
